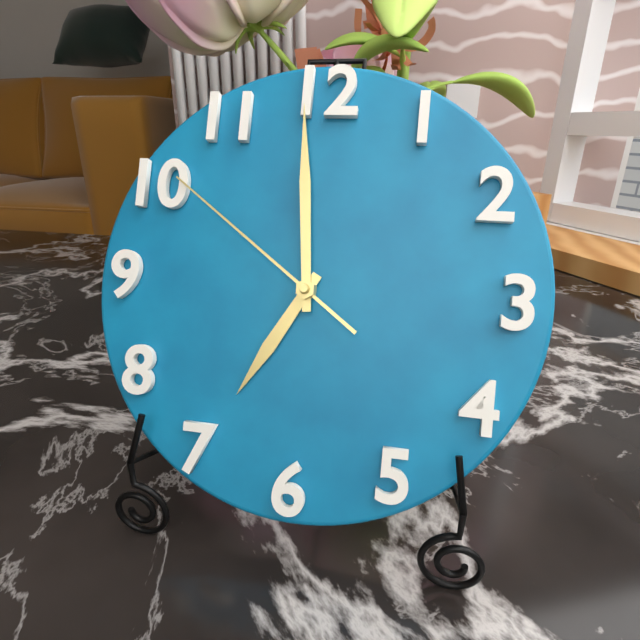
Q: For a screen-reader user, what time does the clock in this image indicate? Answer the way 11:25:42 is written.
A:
6:59:51
